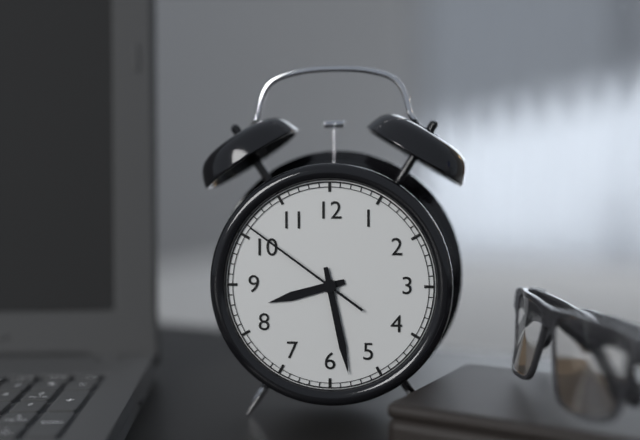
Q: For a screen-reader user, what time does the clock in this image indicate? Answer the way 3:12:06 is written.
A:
8:28:51
